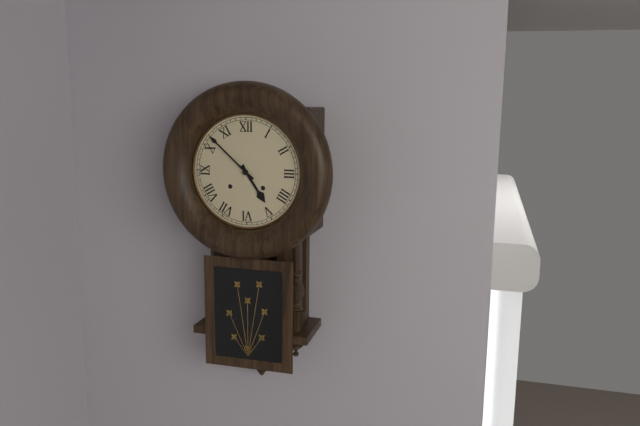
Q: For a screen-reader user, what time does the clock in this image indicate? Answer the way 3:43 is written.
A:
4:52
